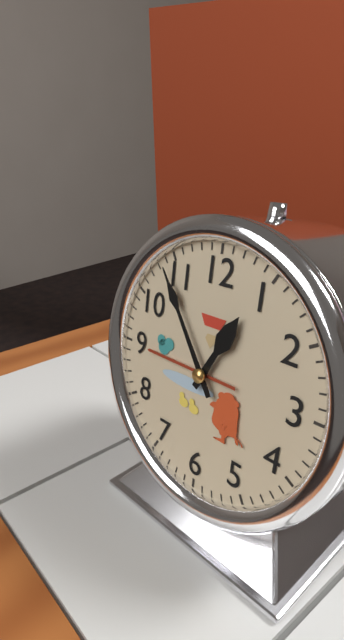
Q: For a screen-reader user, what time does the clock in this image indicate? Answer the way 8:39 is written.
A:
12:54
